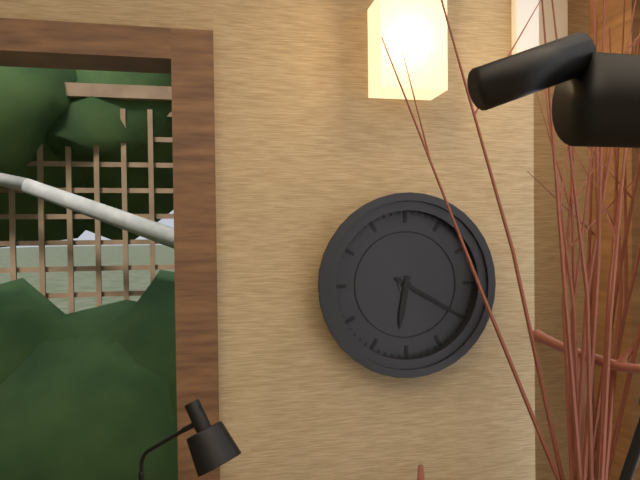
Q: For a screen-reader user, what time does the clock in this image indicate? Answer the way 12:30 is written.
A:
6:20
